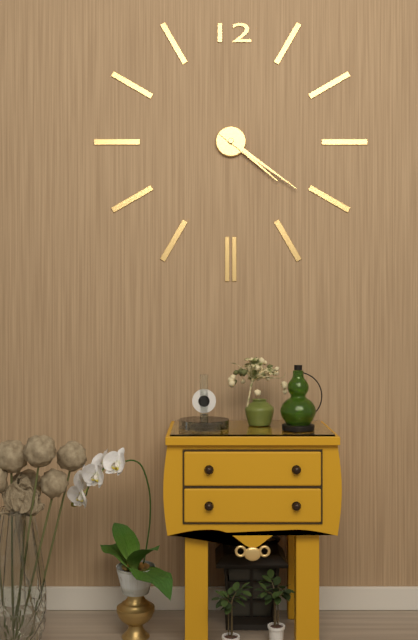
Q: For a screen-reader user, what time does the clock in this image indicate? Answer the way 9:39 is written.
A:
4:21
